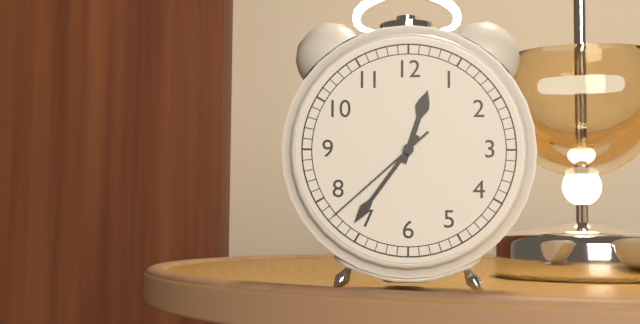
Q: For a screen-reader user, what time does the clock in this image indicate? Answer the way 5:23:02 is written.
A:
12:36:38
